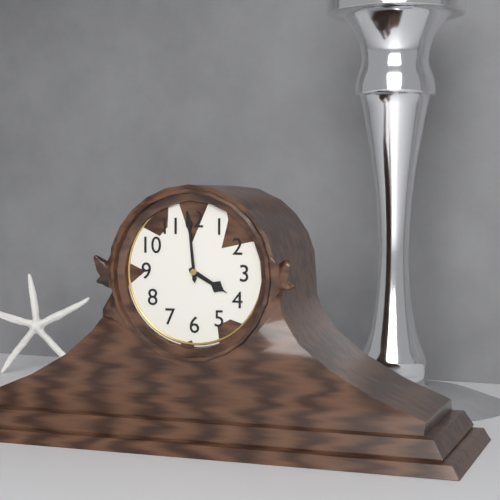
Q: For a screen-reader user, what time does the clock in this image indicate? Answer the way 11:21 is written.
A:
3:59
